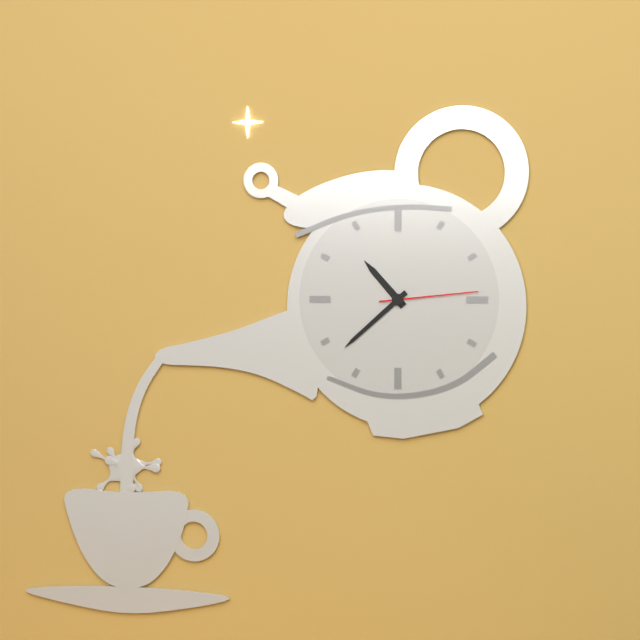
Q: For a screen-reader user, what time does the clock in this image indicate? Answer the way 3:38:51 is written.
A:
10:38:14
